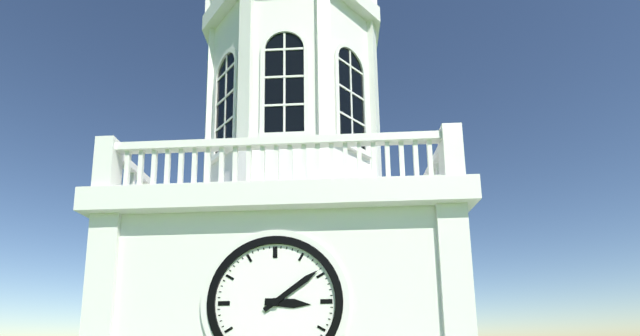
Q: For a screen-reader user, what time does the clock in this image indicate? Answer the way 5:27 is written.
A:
3:09
